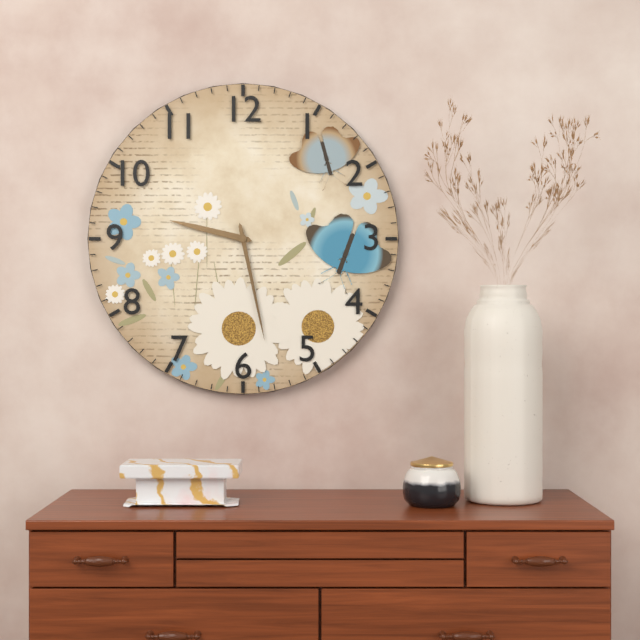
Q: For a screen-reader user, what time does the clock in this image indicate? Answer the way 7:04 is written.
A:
9:28
